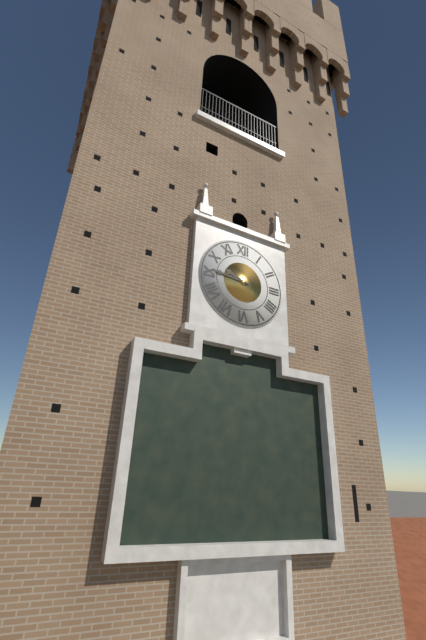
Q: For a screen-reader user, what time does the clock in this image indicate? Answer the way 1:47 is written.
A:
9:46
